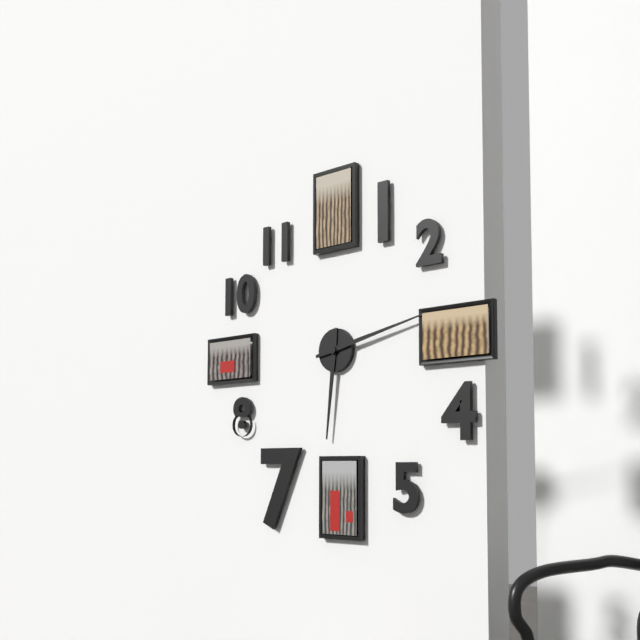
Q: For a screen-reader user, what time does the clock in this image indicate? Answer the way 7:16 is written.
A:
6:13
